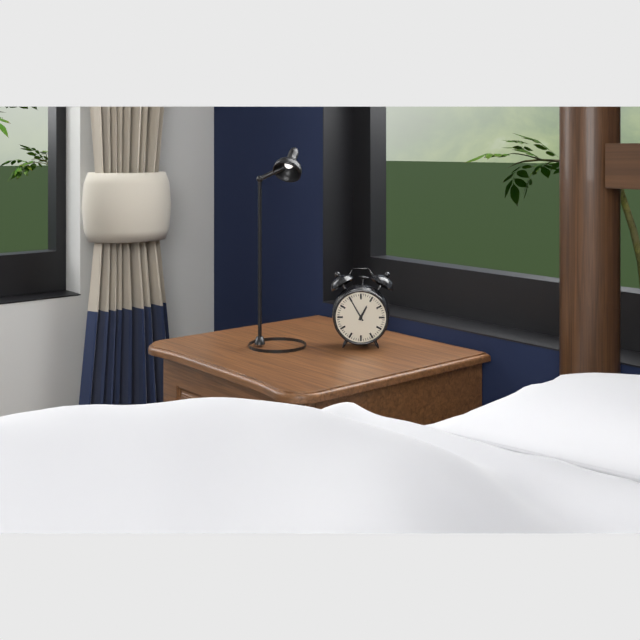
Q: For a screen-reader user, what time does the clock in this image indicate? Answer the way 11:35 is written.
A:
12:55
